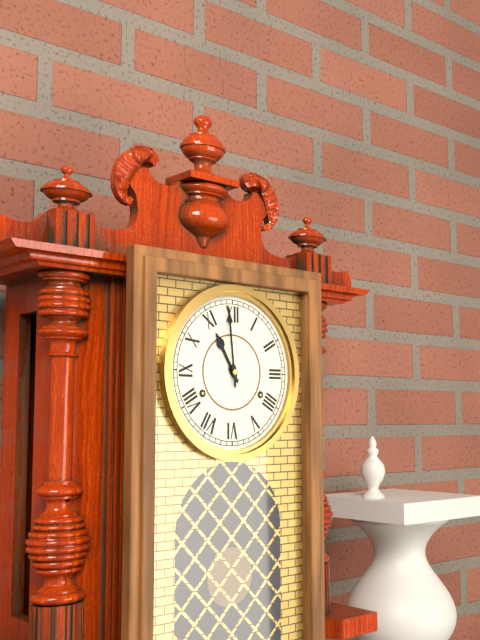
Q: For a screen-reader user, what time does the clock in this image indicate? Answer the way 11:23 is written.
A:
10:59
